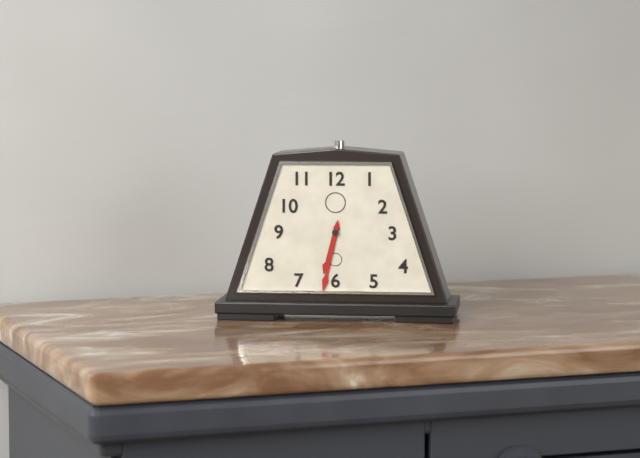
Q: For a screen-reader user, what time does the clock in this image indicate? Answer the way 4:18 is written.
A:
6:32
